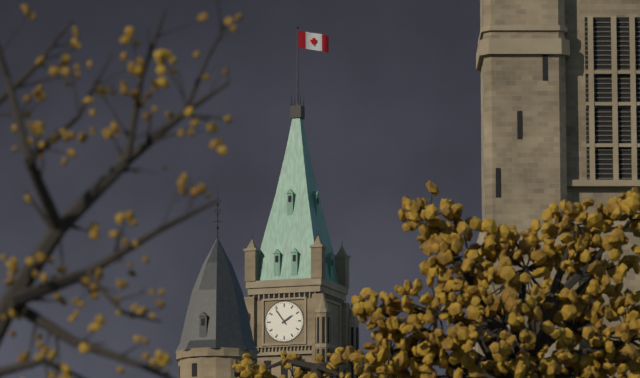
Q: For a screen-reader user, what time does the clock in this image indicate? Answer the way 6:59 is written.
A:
1:54
